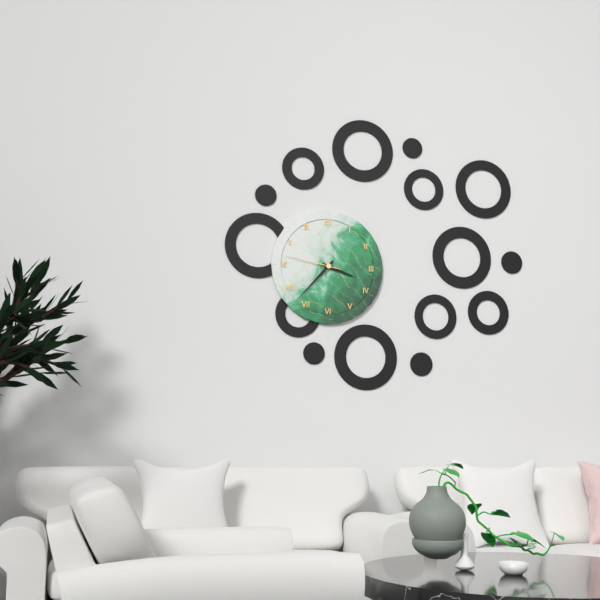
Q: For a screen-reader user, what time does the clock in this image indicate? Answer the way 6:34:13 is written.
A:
3:37:47
